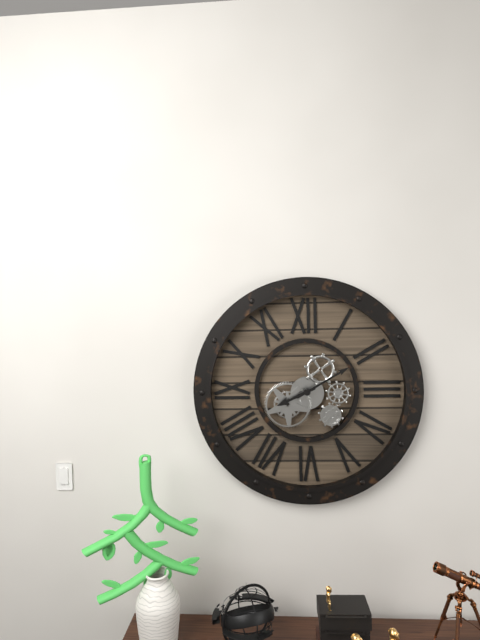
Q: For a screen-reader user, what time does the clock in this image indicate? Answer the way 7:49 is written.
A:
8:10
